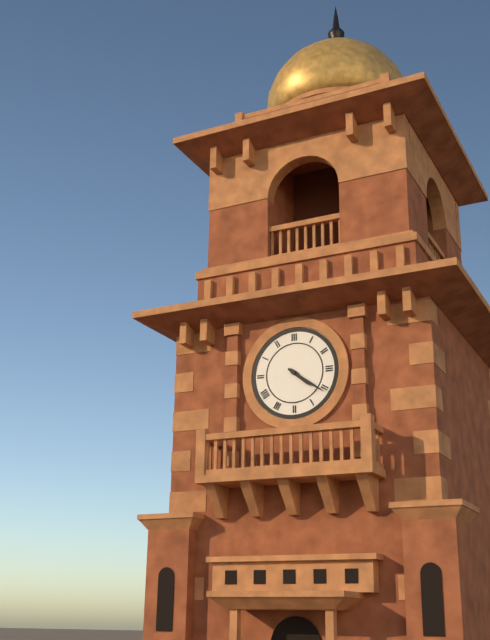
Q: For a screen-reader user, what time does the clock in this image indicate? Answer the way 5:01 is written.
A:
4:21
